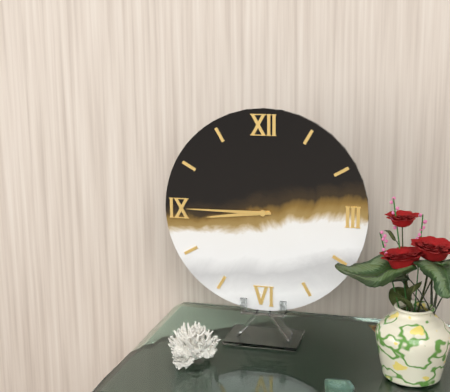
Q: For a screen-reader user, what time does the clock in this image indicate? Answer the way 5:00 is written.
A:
8:45
